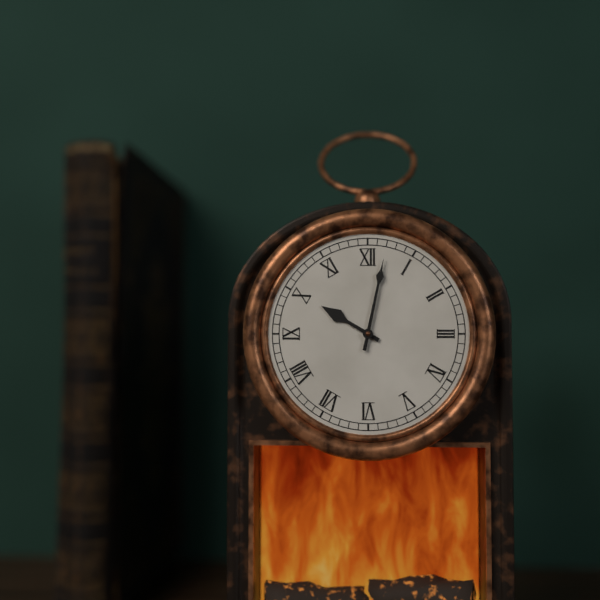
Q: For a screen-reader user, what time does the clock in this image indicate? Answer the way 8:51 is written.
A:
10:02
